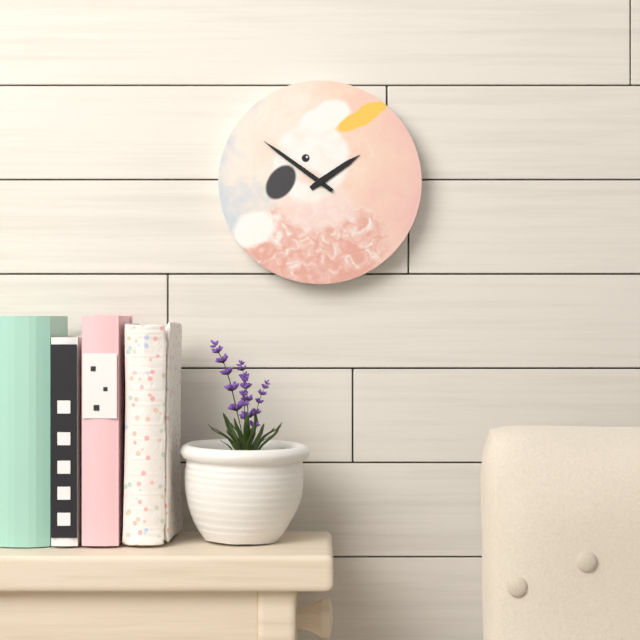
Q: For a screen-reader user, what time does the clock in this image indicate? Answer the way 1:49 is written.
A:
1:51
